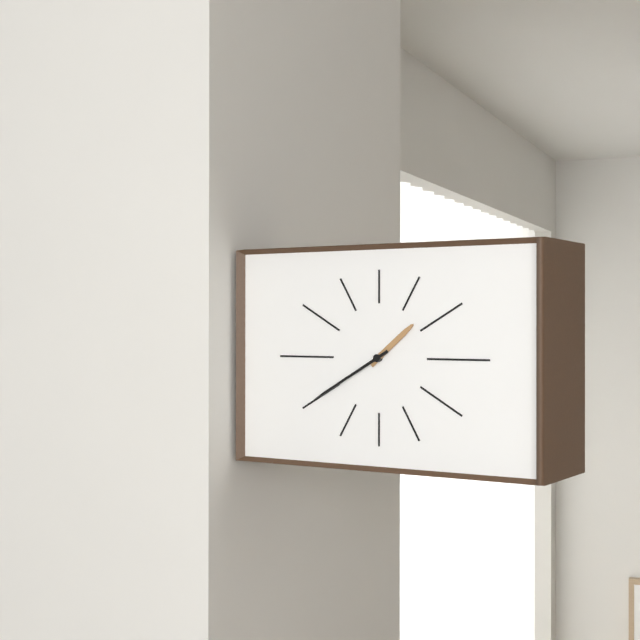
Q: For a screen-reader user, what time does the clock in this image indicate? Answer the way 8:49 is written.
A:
1:40
